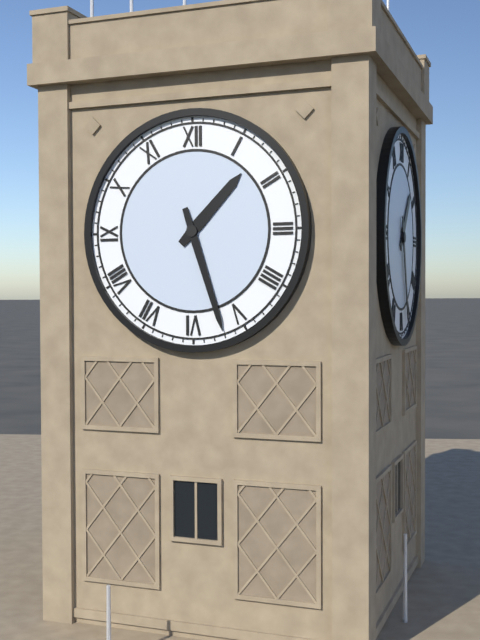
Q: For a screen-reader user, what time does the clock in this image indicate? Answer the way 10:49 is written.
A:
1:27
